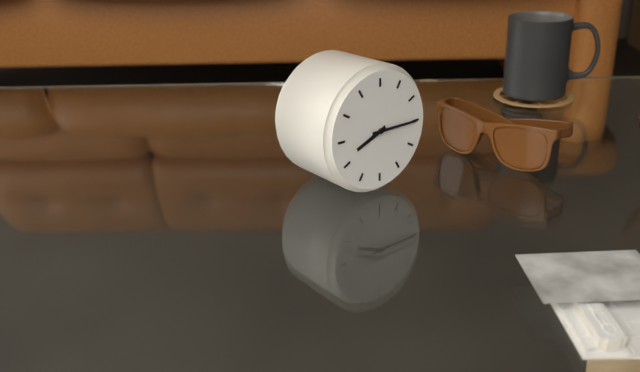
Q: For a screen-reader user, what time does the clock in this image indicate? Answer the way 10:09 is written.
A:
8:15
